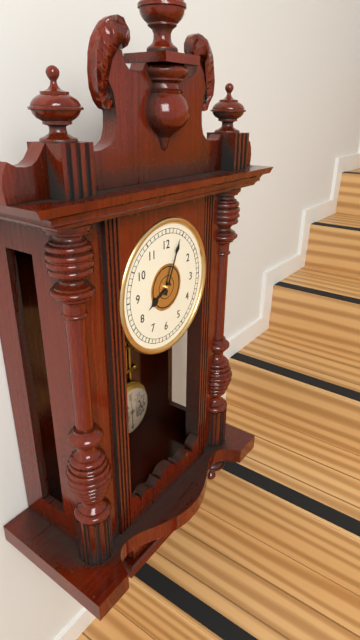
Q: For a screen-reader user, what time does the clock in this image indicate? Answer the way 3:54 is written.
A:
8:04
